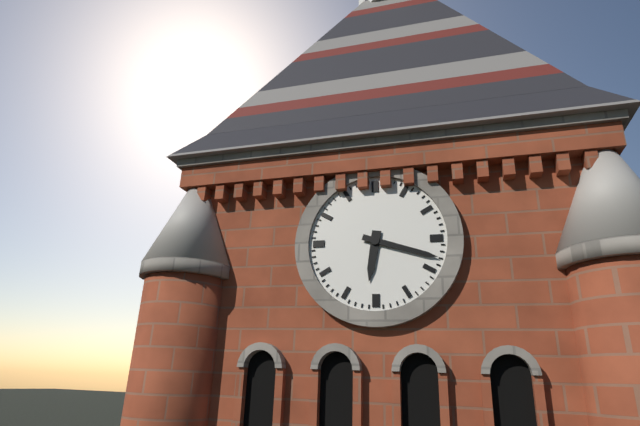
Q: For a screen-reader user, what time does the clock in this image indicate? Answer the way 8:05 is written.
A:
6:18
